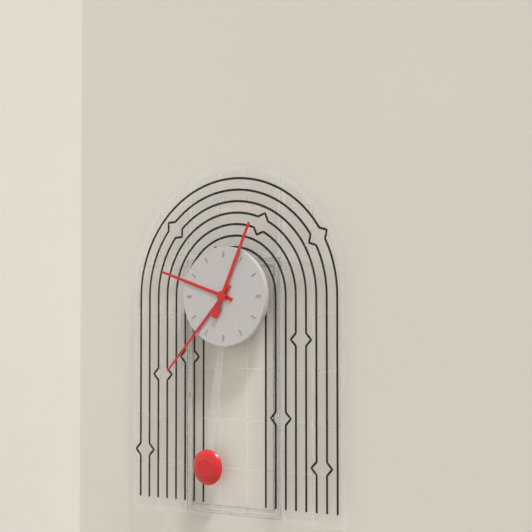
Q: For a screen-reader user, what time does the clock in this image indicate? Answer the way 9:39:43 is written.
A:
9:37:04
